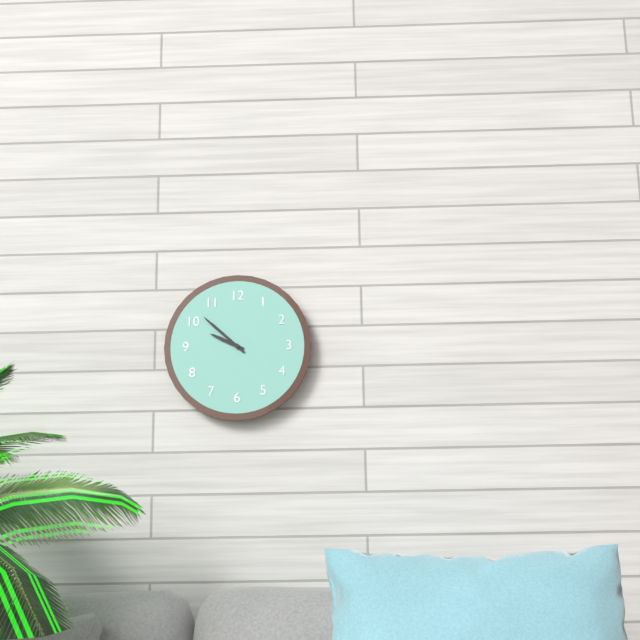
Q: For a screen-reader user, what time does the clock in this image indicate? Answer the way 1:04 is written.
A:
9:52
